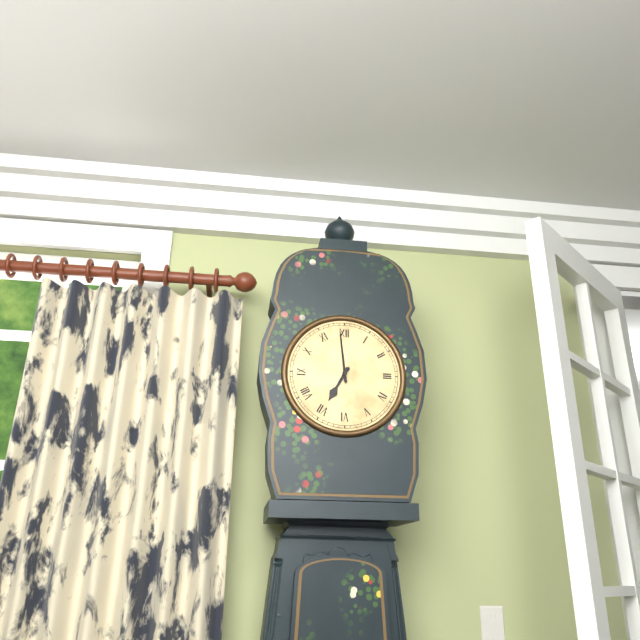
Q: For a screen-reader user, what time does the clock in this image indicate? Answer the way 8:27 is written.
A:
6:59
